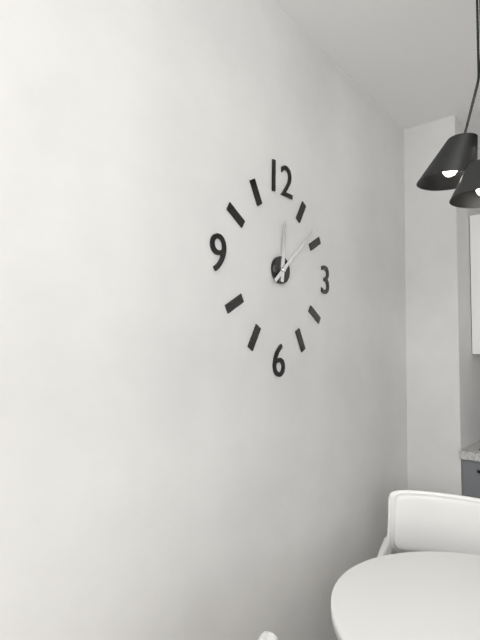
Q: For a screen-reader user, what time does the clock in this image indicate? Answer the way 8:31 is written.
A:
12:08
